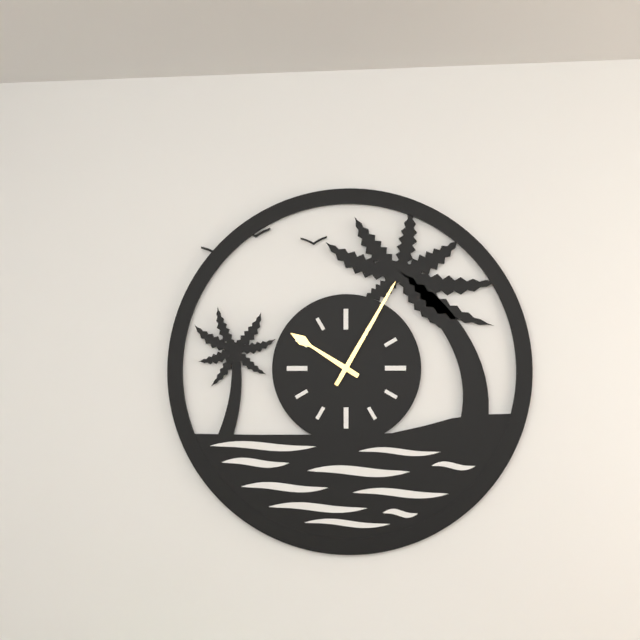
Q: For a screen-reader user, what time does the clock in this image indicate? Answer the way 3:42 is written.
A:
10:05
